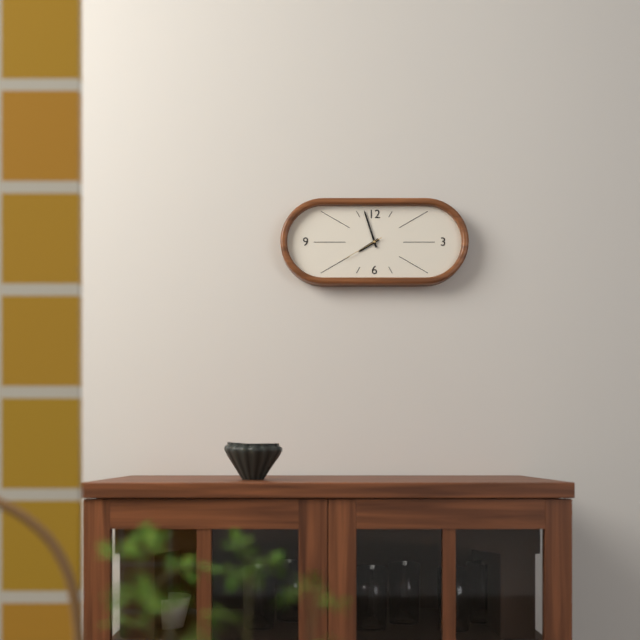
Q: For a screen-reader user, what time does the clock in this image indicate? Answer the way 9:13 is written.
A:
7:57
